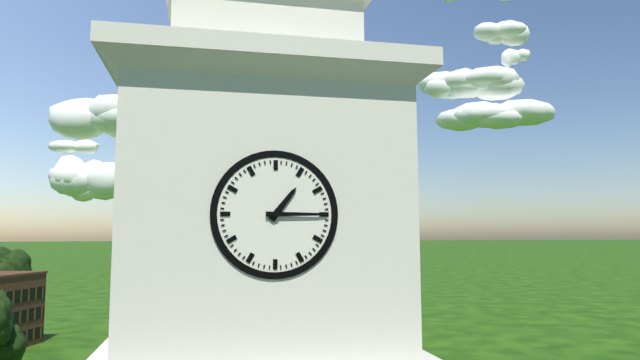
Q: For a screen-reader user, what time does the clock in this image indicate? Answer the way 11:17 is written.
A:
1:15
